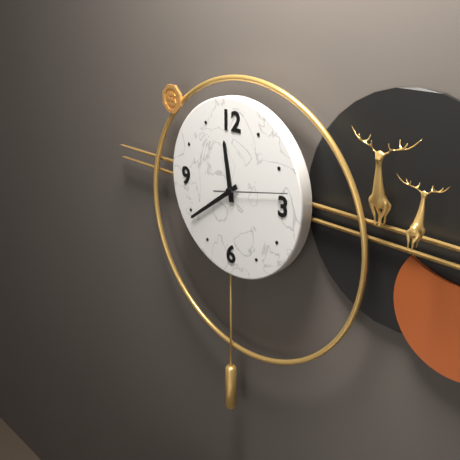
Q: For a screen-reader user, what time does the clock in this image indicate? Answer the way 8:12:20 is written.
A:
11:39:13
